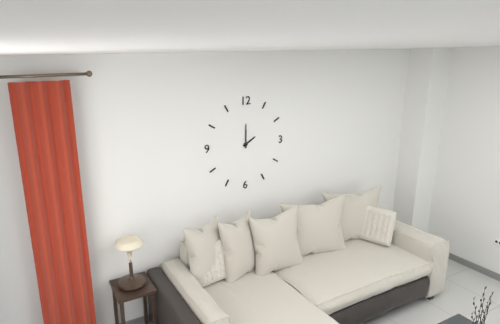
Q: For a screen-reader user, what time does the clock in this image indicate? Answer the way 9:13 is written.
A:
2:00
